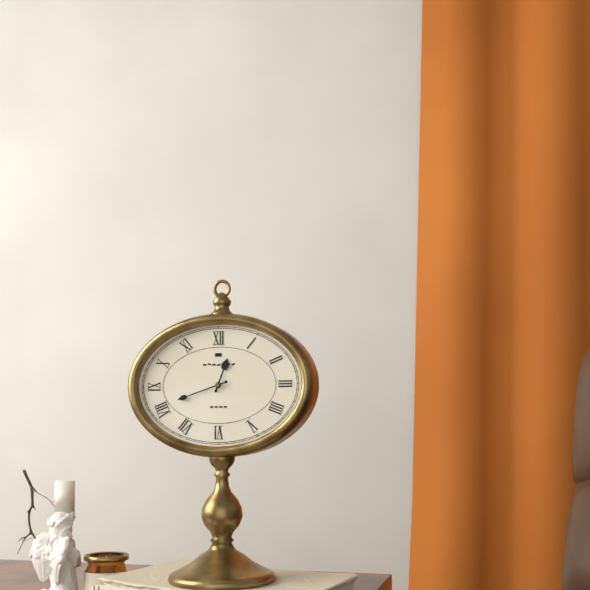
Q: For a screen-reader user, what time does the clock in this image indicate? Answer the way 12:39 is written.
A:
12:42
